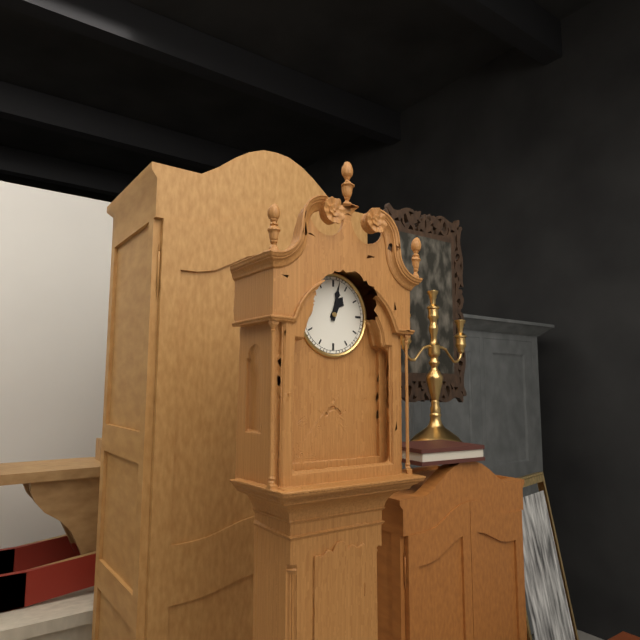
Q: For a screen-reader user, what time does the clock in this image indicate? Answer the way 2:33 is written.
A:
1:02
